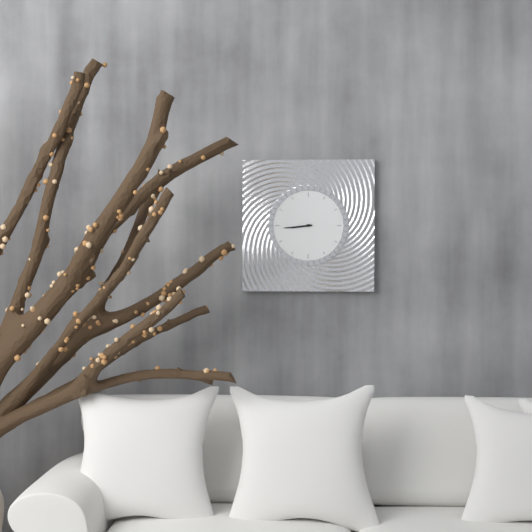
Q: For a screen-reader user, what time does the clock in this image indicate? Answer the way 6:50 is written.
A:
8:44
